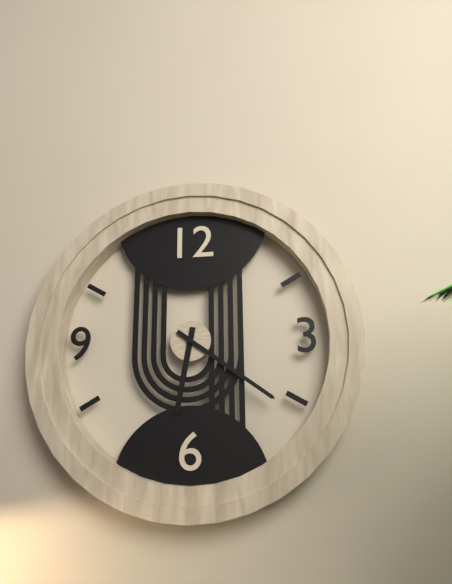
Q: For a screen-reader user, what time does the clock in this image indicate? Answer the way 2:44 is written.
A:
6:21
